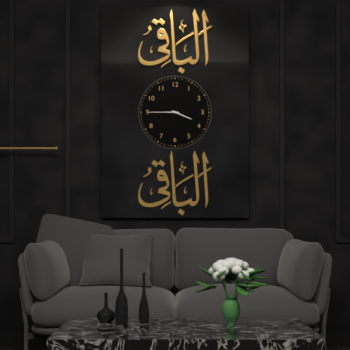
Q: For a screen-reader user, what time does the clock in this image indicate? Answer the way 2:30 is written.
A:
3:45
